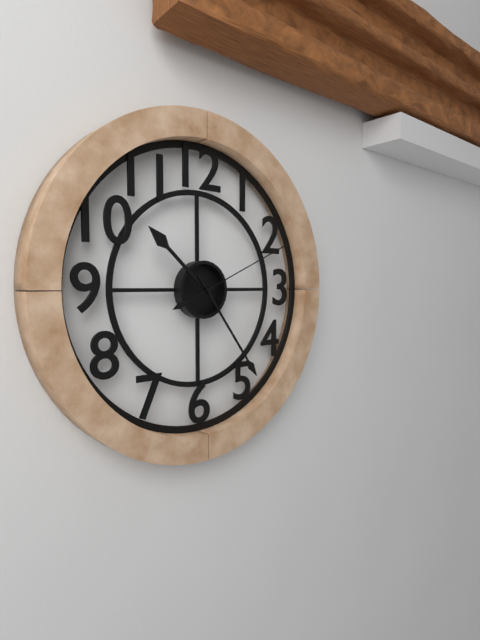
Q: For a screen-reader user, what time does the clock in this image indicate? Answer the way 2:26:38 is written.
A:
10:24:11
